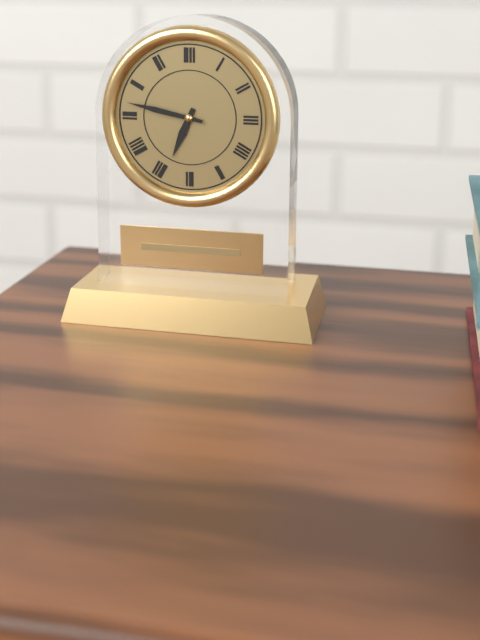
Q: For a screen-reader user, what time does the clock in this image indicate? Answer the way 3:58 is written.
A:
6:47
